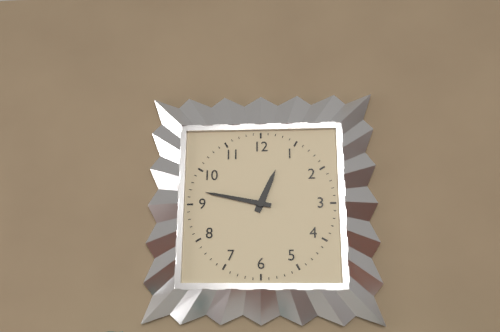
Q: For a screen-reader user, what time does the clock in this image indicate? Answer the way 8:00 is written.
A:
12:47
